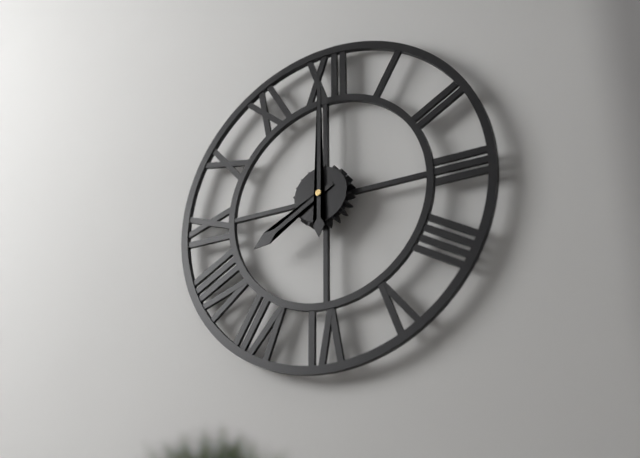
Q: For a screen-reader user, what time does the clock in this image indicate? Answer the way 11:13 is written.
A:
8:00
